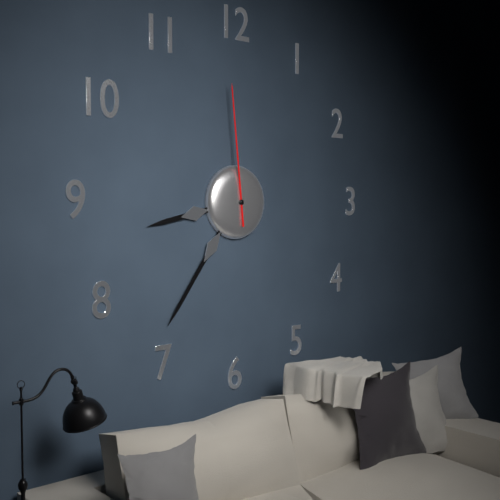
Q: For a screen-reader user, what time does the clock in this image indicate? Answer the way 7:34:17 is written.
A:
8:36:59
